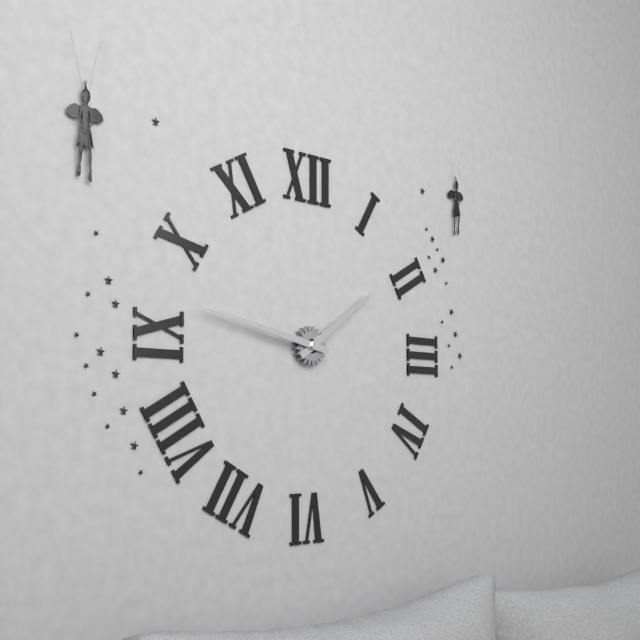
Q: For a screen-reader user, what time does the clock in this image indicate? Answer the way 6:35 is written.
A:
1:47
